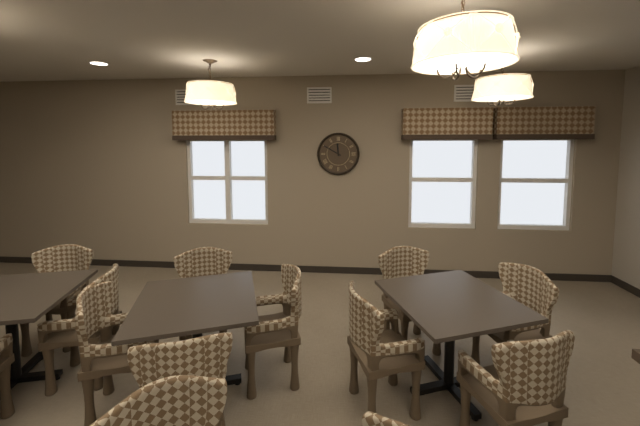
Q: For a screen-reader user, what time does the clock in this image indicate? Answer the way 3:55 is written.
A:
11:50
